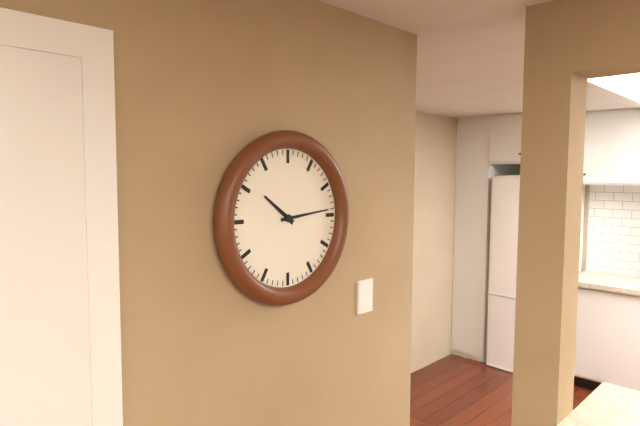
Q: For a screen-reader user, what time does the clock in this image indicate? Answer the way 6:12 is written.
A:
10:14
